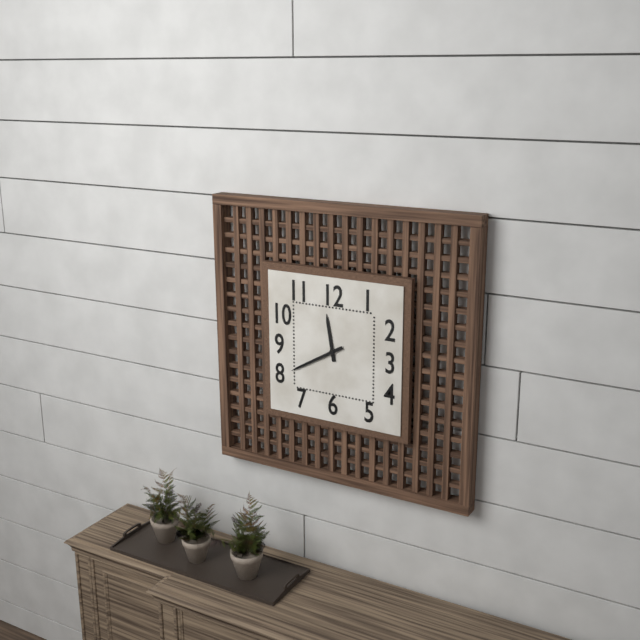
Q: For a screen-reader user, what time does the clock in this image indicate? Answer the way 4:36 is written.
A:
11:40
